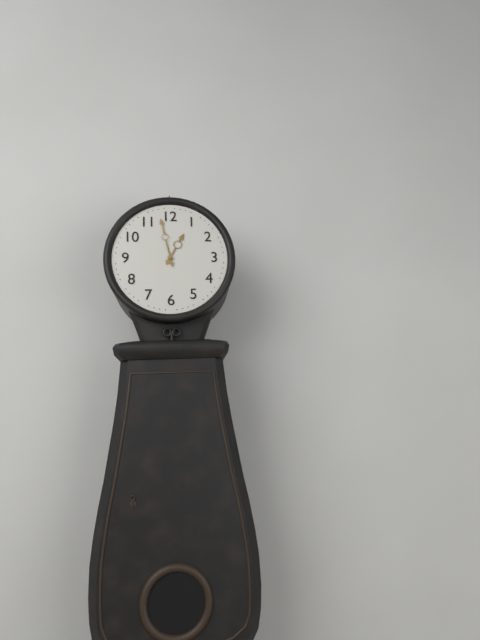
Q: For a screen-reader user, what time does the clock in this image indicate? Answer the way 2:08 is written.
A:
12:58
